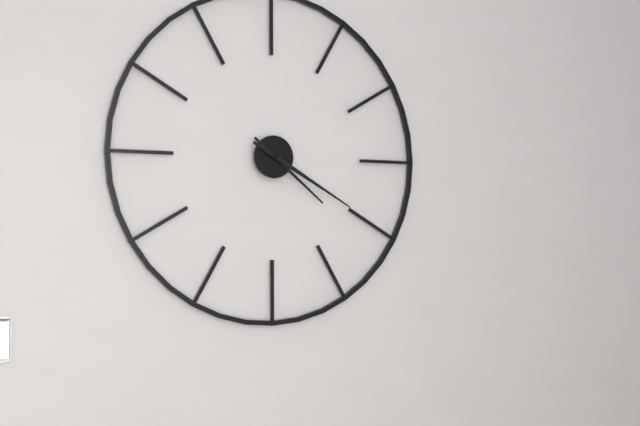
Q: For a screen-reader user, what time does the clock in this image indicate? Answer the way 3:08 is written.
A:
4:20
